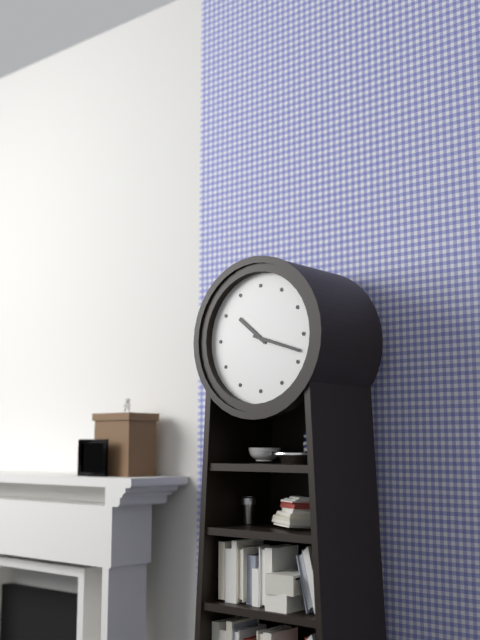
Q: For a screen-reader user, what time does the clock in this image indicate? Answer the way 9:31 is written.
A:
10:18
